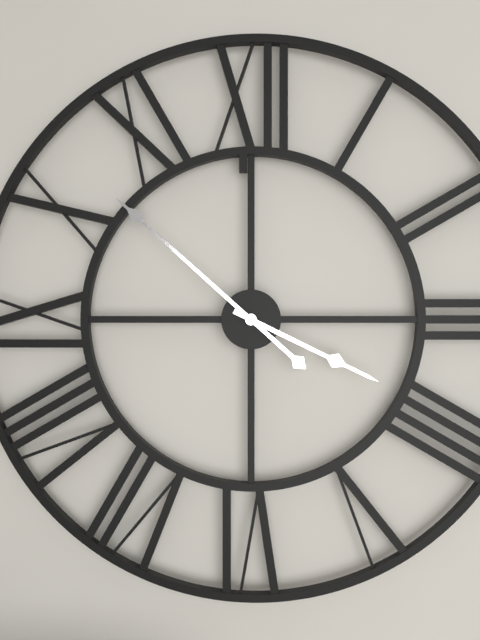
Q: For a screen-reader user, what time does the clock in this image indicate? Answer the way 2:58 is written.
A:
3:52
